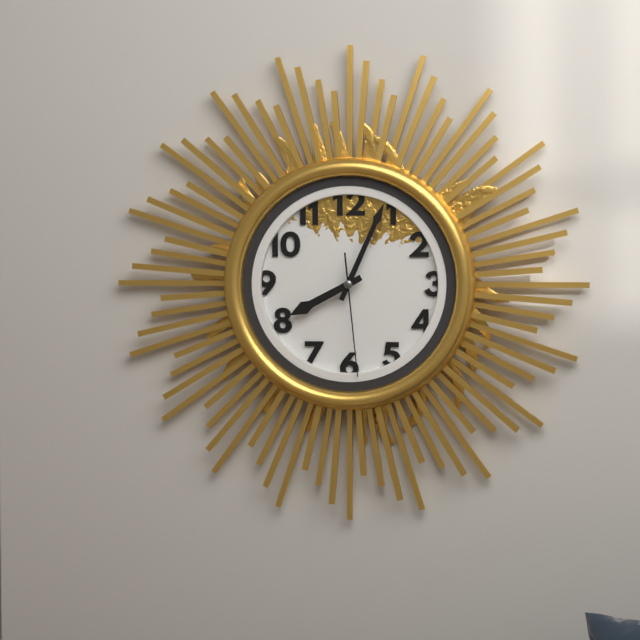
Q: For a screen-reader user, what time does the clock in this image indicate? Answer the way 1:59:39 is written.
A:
8:04:29
